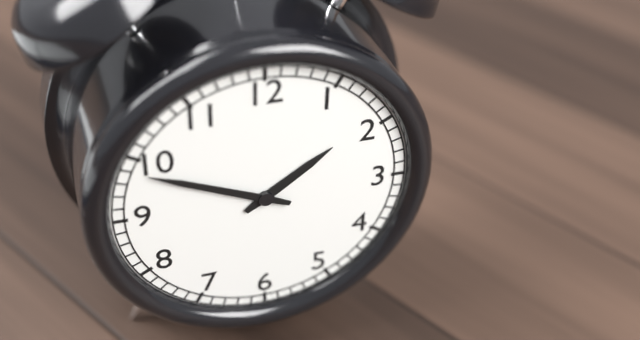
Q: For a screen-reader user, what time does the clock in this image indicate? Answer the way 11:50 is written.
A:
1:49
